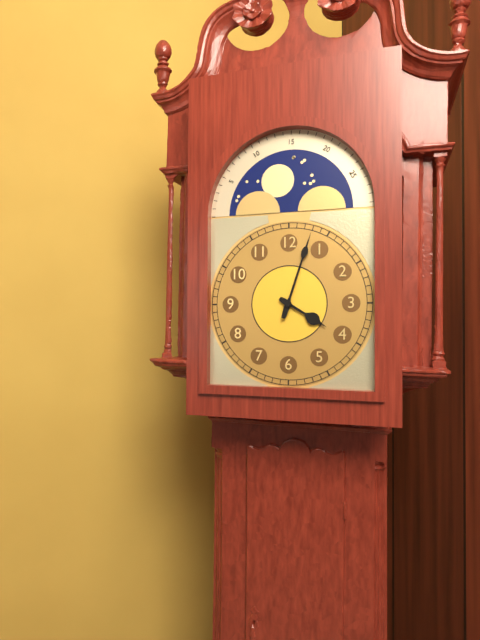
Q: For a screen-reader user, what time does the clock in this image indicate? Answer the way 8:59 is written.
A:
4:03
